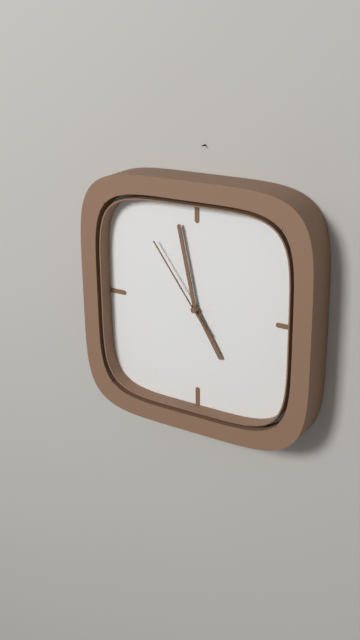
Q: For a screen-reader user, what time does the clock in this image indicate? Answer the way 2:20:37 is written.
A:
4:58:54
